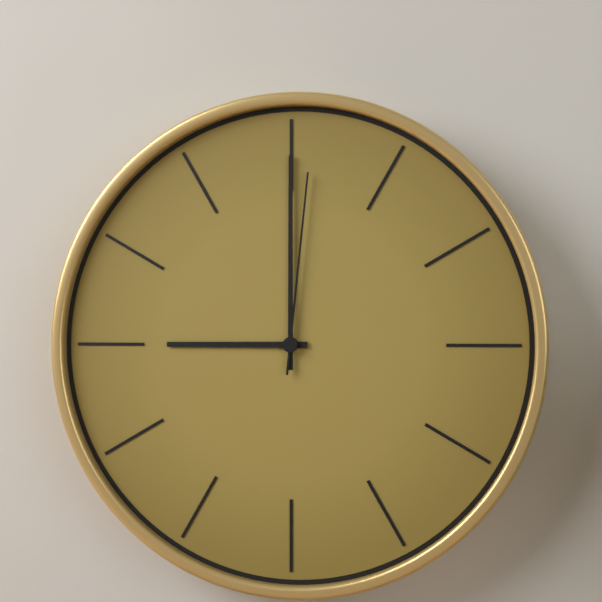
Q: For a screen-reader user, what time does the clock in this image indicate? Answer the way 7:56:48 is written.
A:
9:00:01
